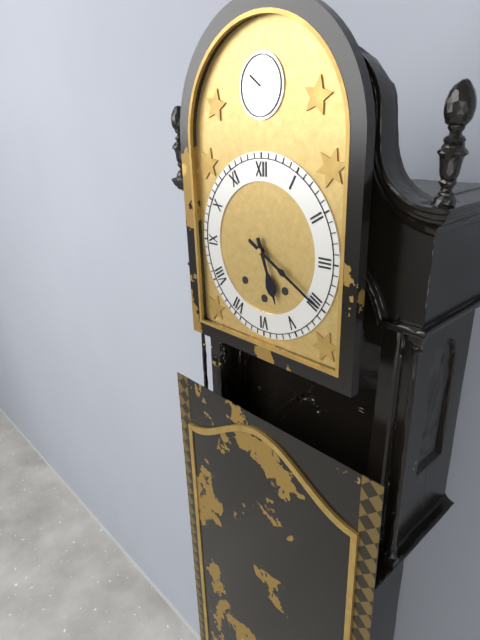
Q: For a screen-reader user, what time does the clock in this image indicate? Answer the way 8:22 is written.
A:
5:20
